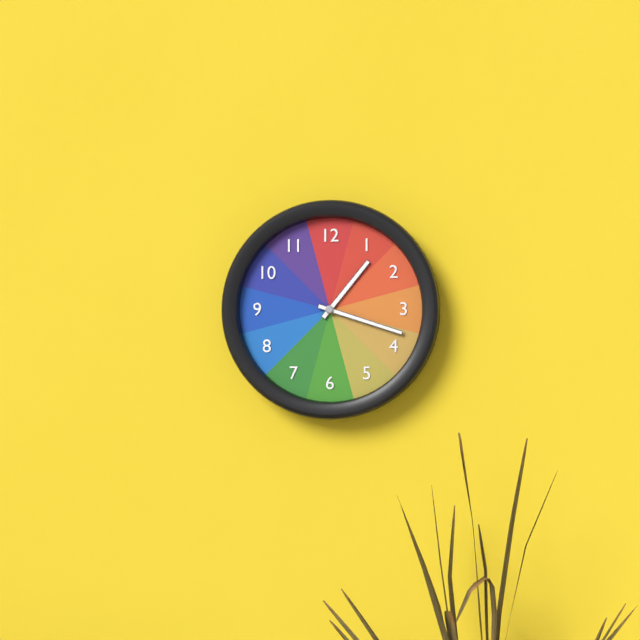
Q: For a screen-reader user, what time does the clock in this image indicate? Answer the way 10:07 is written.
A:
1:18
